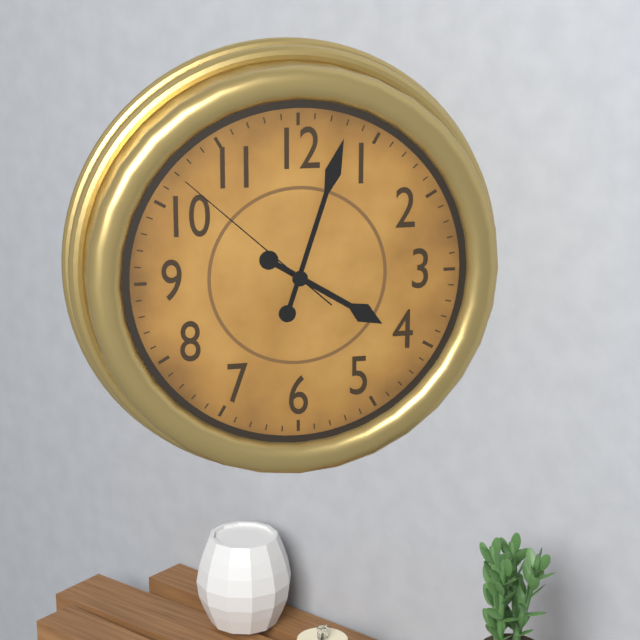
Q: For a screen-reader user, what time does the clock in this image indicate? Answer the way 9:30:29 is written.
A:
4:03:52
